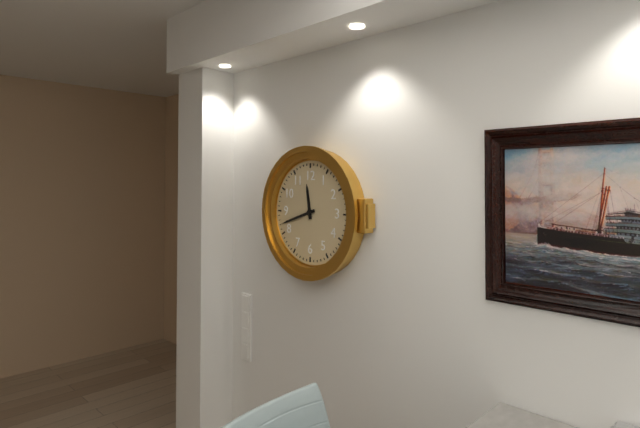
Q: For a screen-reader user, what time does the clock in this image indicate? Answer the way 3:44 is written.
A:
11:42
